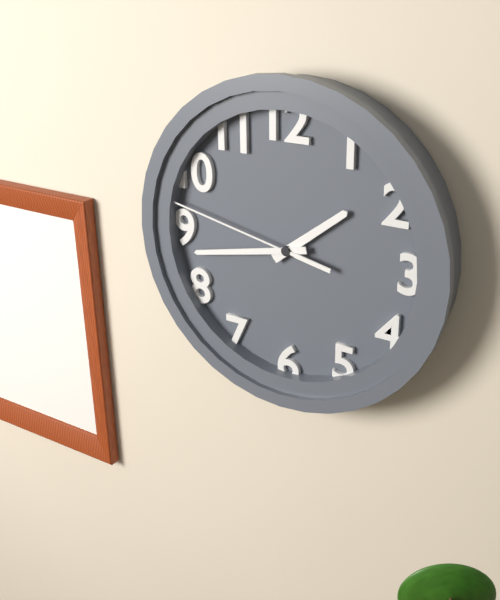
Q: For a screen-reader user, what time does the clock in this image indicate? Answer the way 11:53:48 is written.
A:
1:43:47
